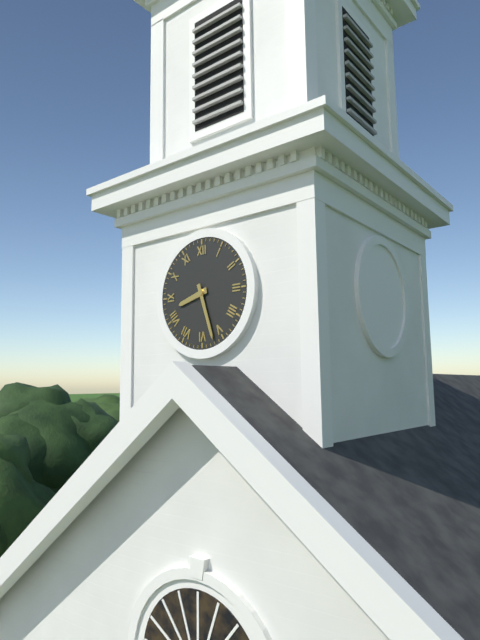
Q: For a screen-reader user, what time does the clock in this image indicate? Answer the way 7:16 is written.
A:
8:27
